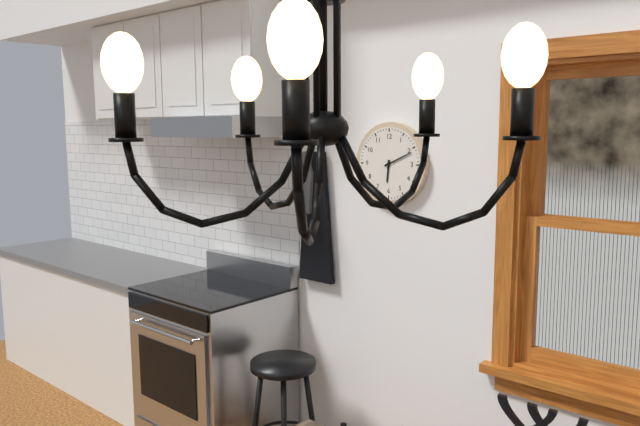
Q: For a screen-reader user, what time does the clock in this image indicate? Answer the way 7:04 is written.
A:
6:11
